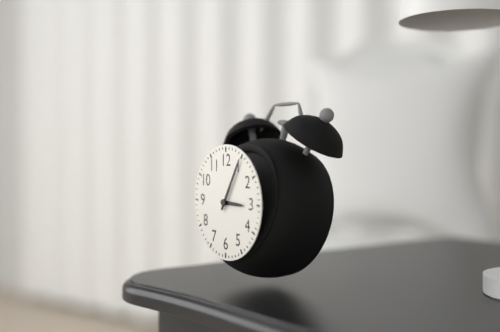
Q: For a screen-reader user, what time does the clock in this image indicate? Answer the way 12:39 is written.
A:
3:05
